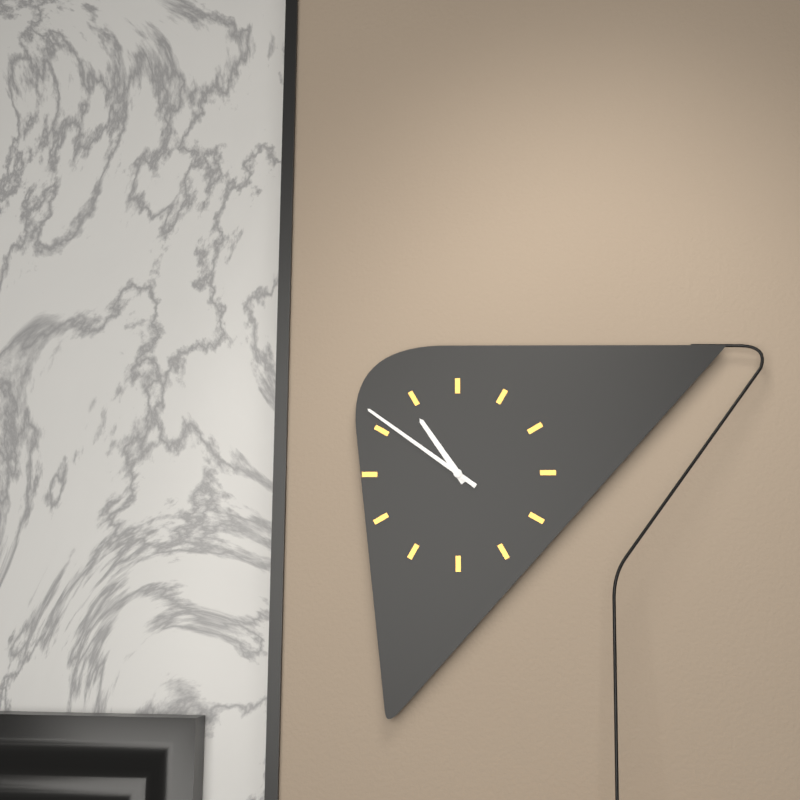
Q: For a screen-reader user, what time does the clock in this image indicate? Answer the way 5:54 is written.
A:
10:51
